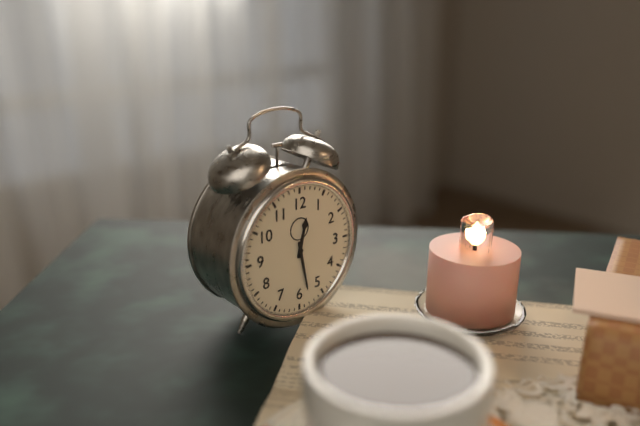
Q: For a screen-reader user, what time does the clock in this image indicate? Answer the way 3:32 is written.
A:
12:28
